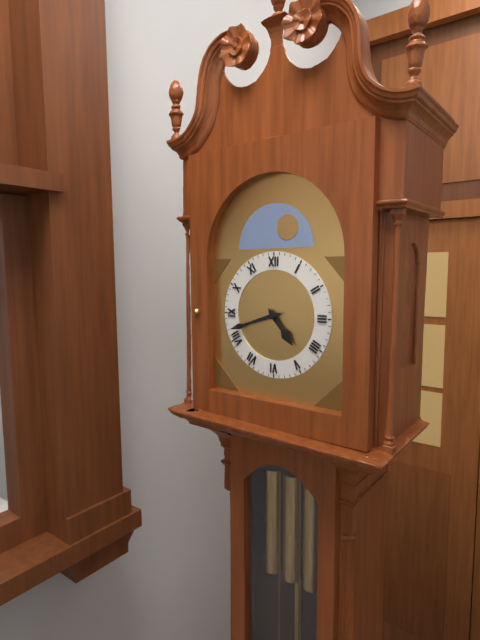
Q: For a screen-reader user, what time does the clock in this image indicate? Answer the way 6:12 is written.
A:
4:42
